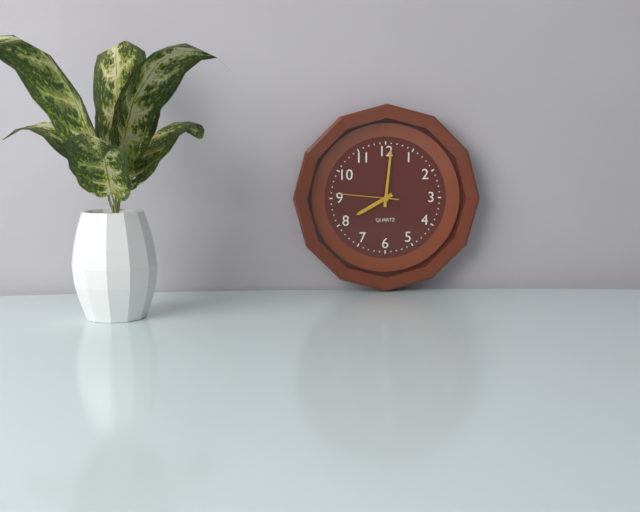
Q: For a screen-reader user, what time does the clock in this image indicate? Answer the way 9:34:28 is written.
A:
8:01:46
